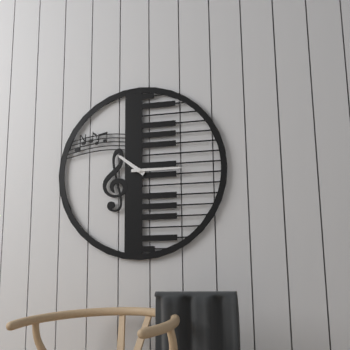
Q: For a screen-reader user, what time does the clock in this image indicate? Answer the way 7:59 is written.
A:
10:15
